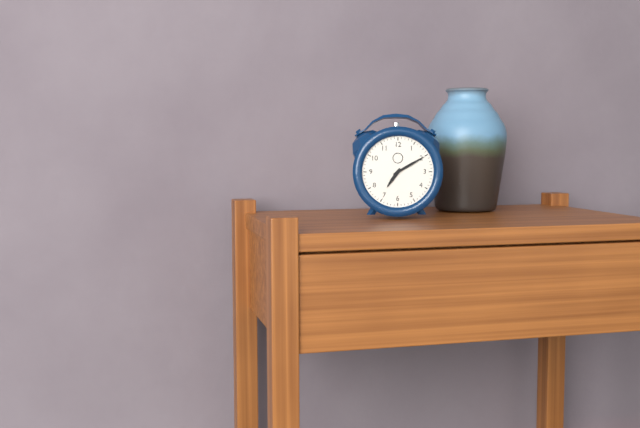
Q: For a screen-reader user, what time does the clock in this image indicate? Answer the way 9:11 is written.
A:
7:10
